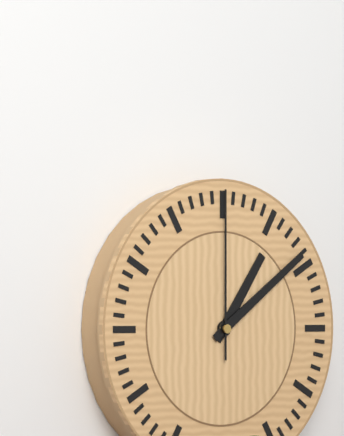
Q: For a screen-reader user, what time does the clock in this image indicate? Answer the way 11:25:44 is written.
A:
1:09:00
